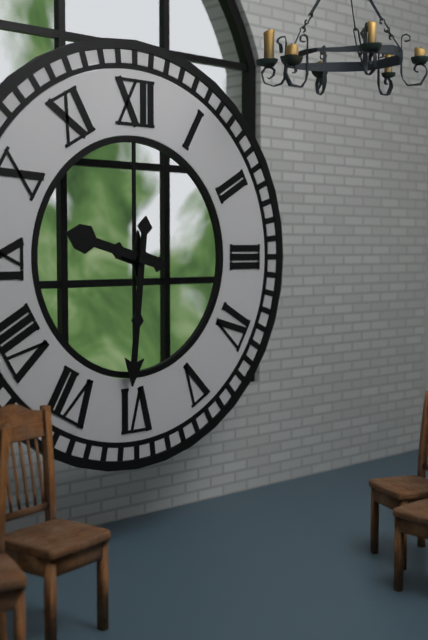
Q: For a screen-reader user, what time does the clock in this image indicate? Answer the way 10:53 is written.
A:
9:31
